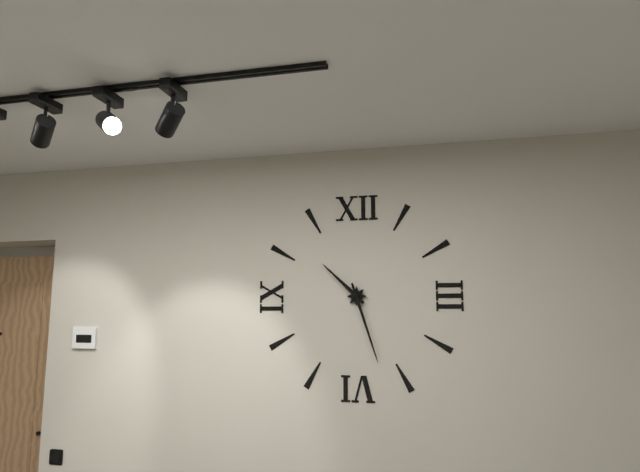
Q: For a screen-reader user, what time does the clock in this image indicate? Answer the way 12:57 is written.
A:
10:27
